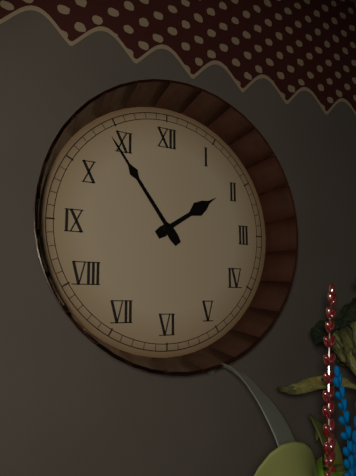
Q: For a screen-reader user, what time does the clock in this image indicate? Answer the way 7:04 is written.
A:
1:54
